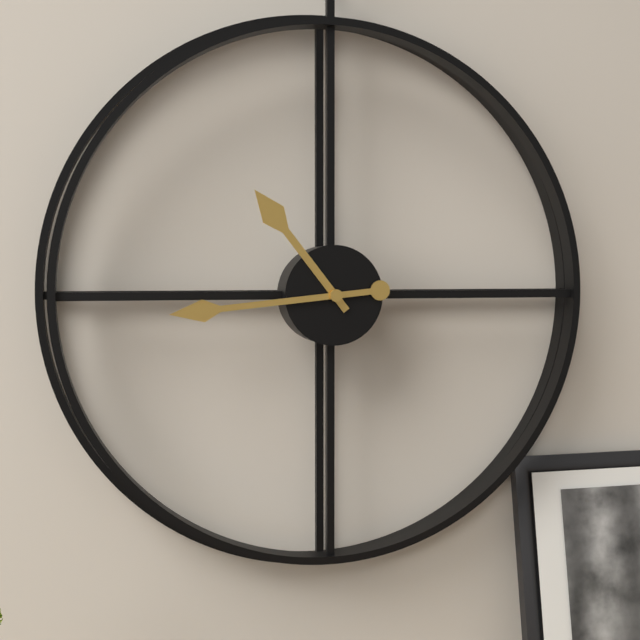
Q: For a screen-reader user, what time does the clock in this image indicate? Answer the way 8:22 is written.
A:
10:44
